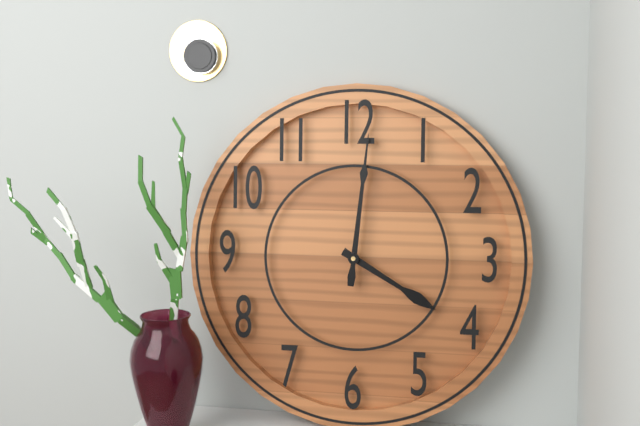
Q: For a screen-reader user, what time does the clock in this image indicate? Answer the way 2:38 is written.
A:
4:01
